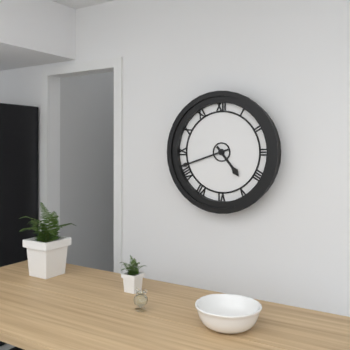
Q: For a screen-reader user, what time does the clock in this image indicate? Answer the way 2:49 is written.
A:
4:42
